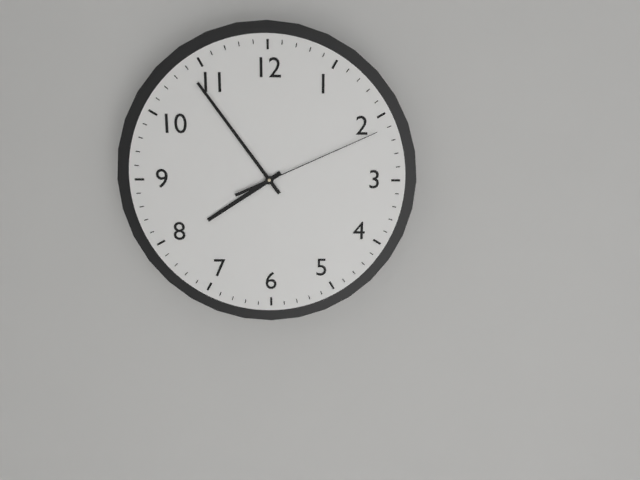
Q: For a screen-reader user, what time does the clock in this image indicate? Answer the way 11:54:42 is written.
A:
7:54:11
